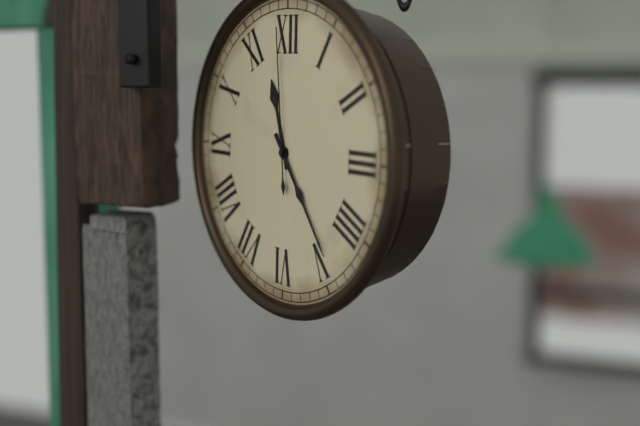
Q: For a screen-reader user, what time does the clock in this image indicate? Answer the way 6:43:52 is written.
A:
11:24:59
